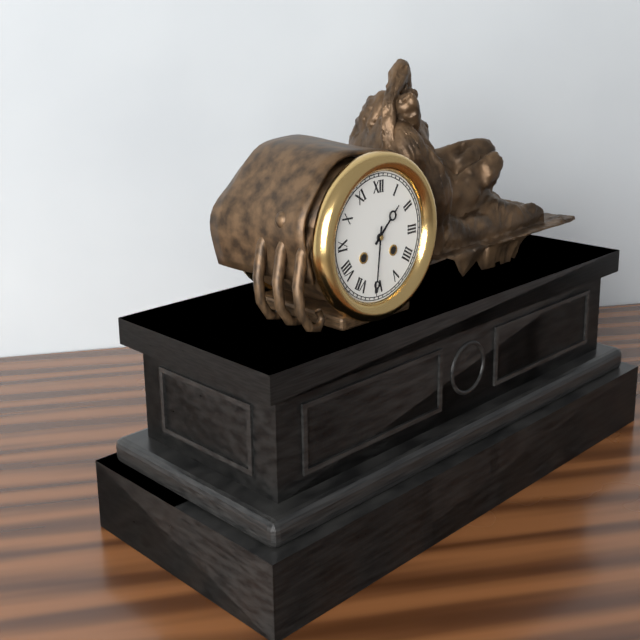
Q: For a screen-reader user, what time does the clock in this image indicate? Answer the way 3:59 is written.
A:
1:31
